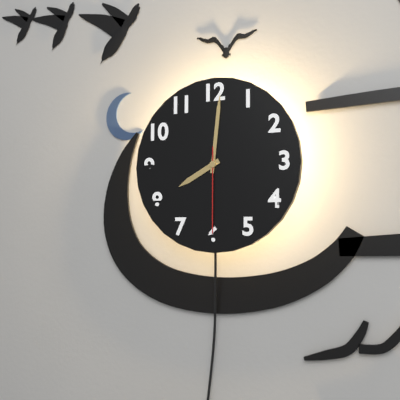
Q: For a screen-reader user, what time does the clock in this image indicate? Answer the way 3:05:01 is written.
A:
8:01:30
